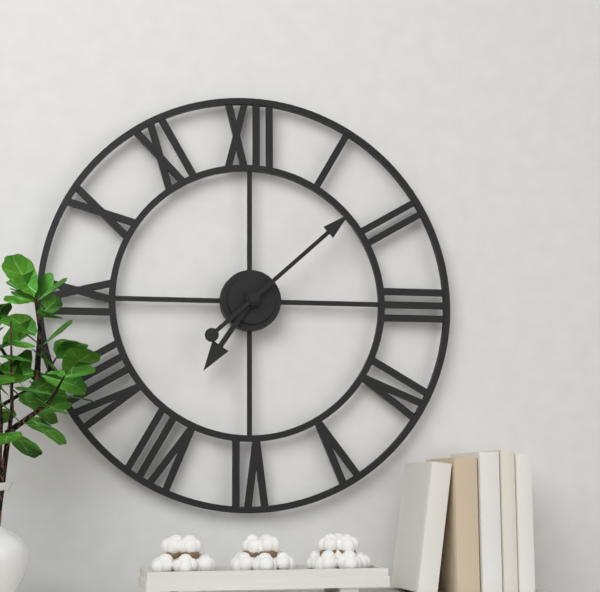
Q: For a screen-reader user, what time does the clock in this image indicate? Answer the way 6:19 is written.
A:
7:08
